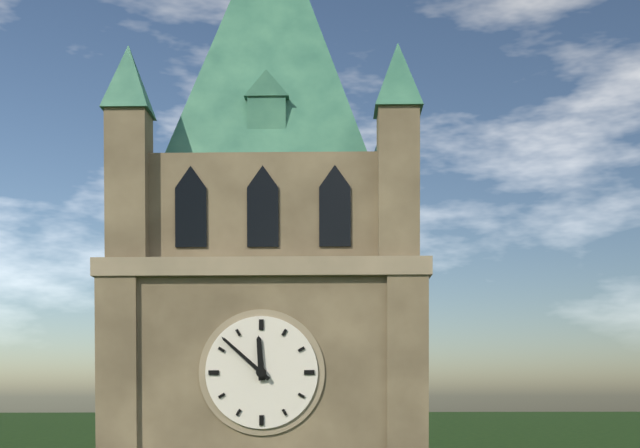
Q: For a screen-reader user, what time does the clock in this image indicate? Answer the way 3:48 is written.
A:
11:52
